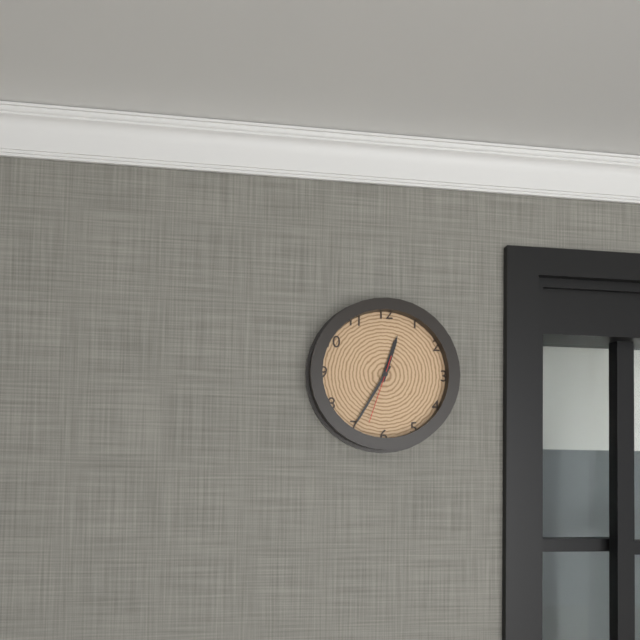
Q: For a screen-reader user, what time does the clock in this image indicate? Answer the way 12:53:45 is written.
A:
12:35:33
